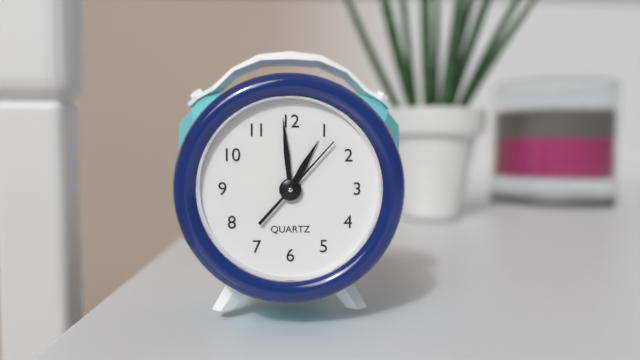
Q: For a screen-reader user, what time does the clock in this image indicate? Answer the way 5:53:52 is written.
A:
12:59:07
